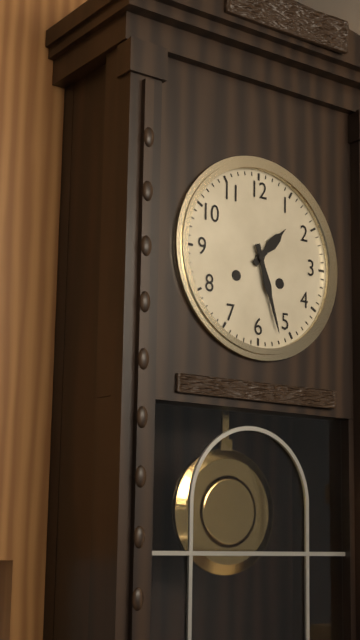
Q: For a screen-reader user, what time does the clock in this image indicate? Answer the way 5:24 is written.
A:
1:27
